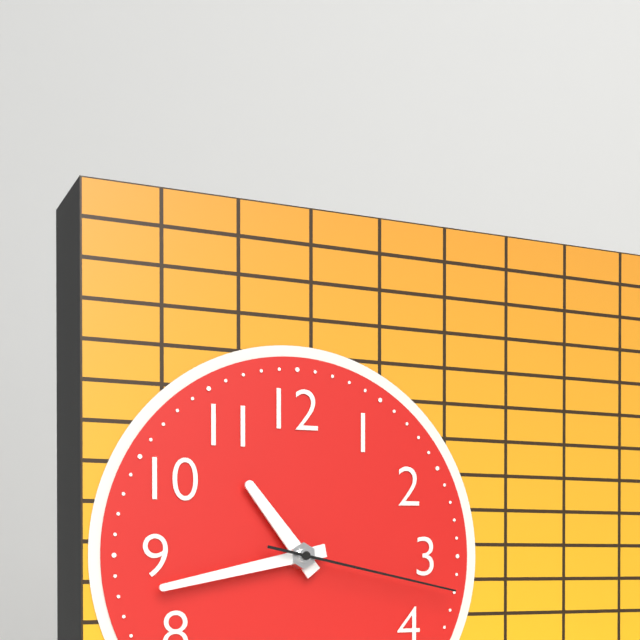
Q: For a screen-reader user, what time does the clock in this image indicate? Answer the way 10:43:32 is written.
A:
10:43:17
